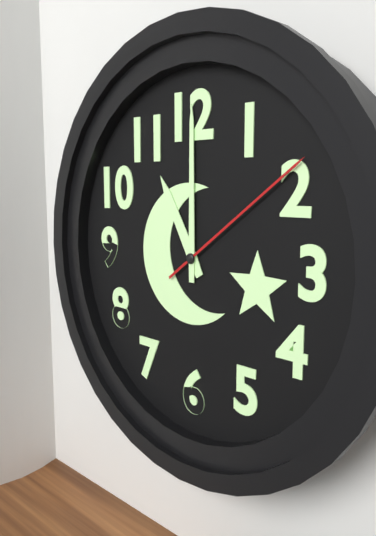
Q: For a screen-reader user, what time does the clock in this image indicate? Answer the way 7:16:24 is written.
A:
11:00:09
